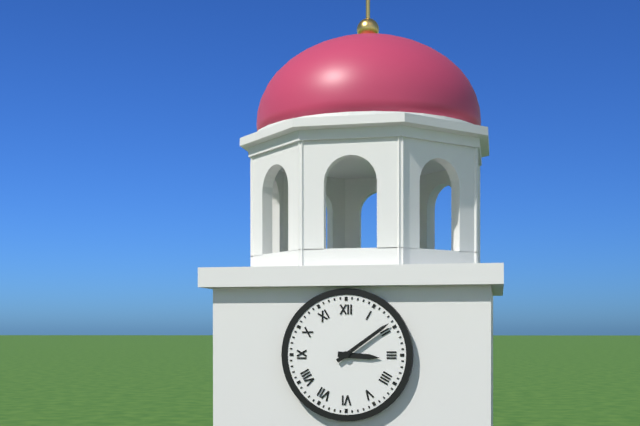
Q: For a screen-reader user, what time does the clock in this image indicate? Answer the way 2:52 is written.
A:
3:09
